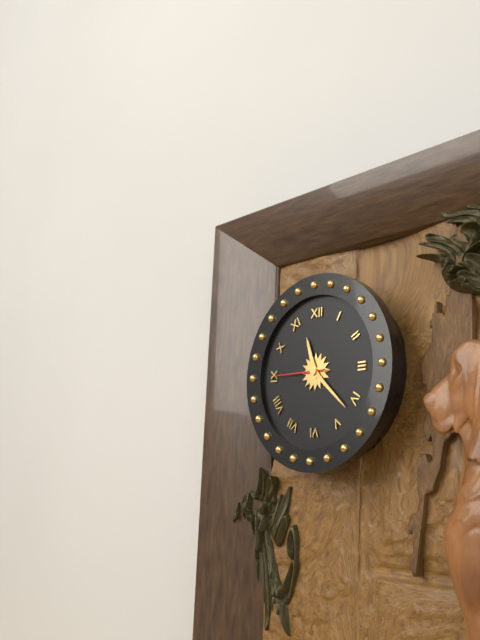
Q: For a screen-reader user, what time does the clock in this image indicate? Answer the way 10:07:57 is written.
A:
11:22:45
